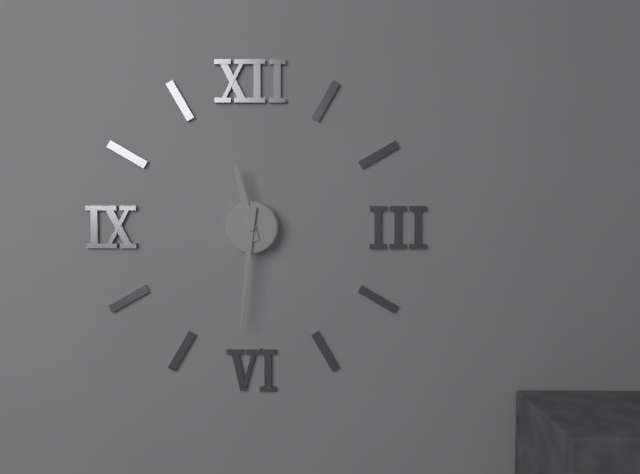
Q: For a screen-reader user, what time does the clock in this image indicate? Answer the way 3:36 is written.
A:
11:31
